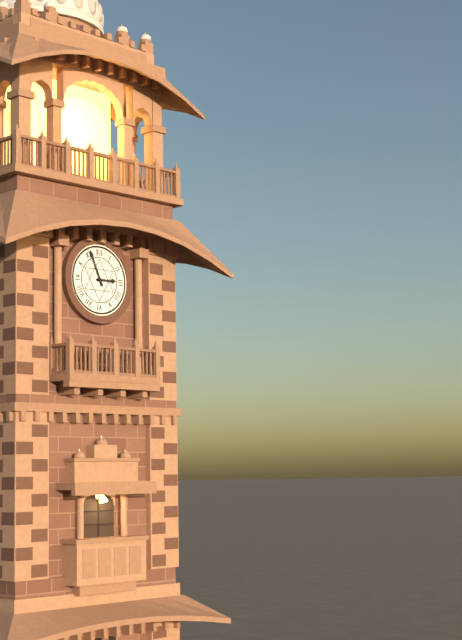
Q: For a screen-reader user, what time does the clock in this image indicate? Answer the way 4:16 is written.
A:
2:56
